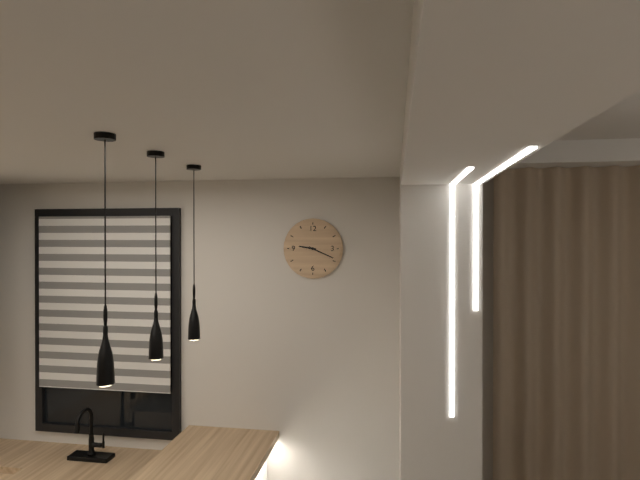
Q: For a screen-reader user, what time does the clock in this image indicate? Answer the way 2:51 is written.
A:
9:19
